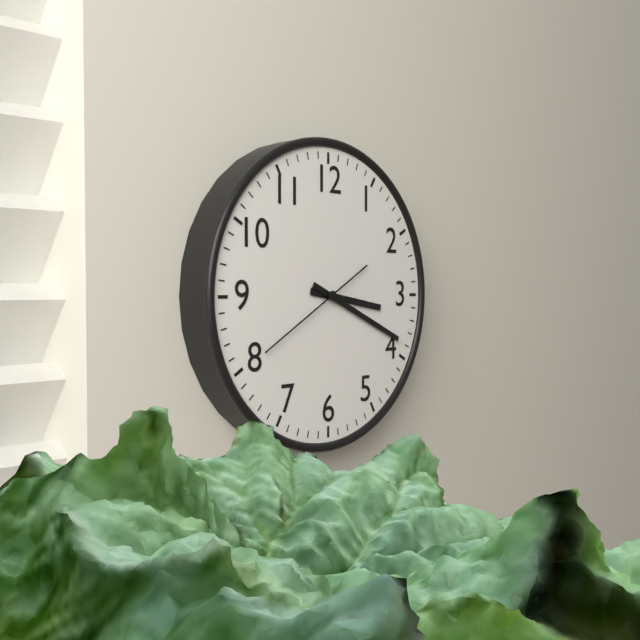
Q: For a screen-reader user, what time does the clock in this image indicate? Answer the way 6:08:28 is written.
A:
3:19:40
